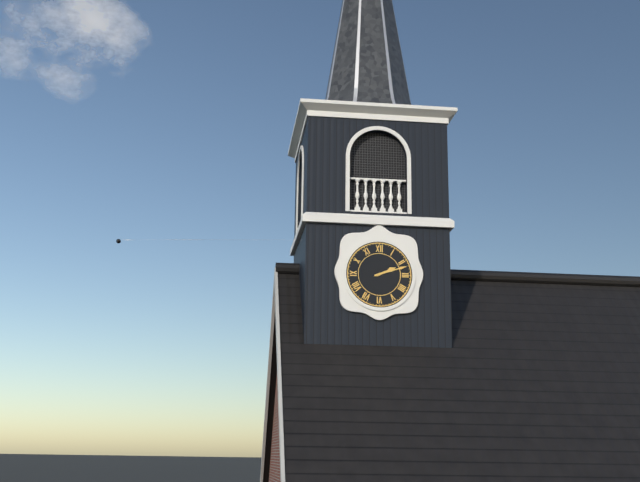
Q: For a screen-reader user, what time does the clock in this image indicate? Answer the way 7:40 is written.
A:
2:12
